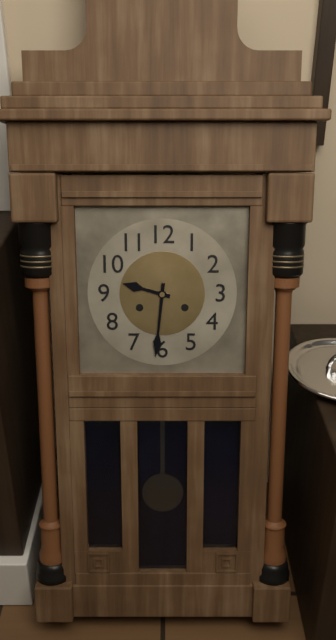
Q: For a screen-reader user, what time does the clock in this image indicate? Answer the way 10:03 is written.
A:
9:31
